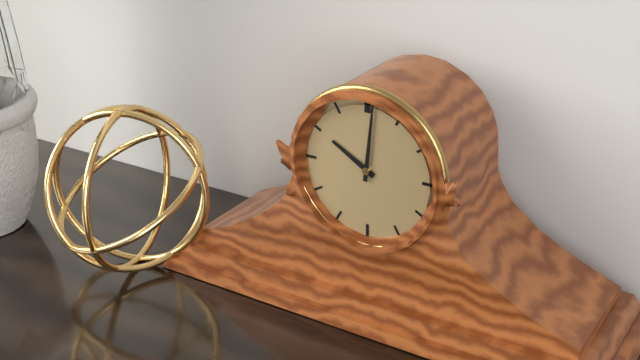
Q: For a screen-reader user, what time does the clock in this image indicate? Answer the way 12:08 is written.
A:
10:01
